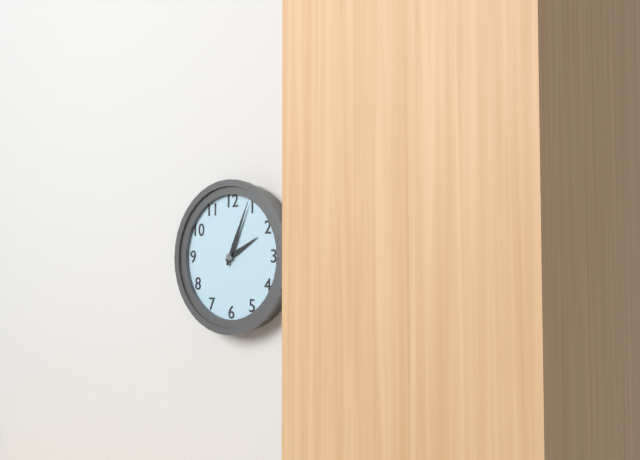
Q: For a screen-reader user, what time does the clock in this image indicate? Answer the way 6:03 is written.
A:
2:04
